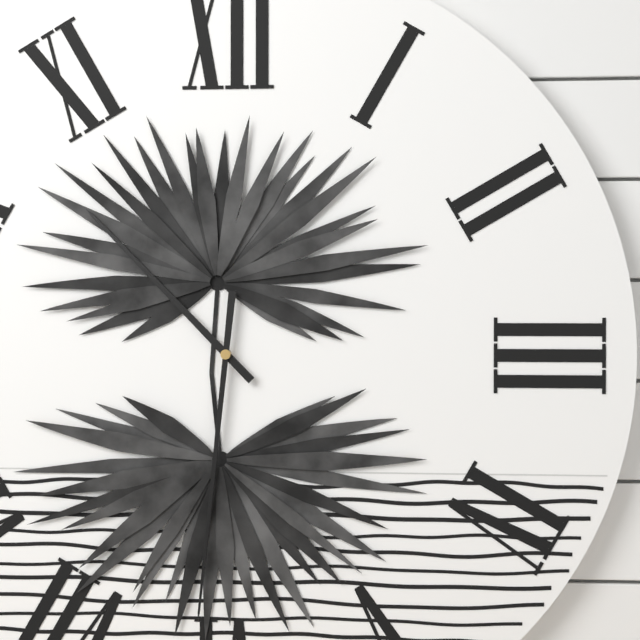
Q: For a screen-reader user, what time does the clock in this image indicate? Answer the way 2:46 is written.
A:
10:31
